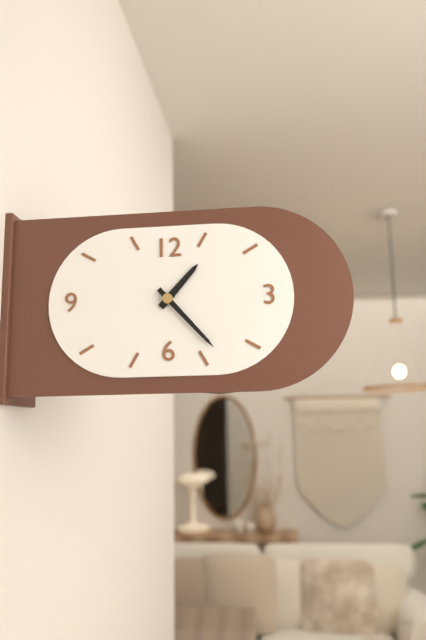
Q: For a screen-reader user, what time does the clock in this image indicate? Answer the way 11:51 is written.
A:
1:23
